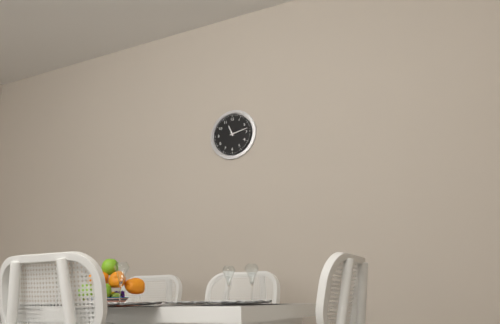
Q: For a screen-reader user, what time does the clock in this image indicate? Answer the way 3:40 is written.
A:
11:13
